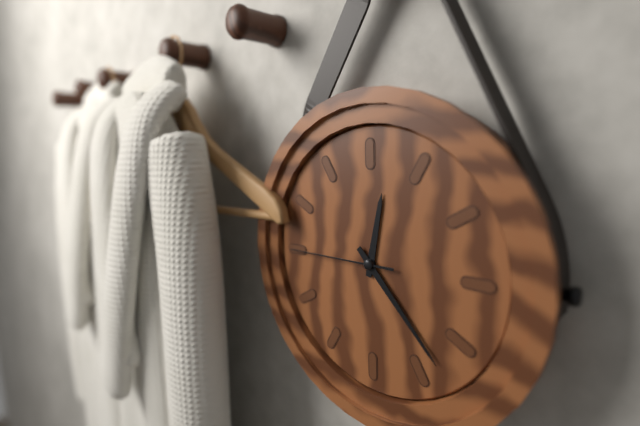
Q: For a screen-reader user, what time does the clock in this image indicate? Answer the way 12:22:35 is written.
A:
12:23:45
